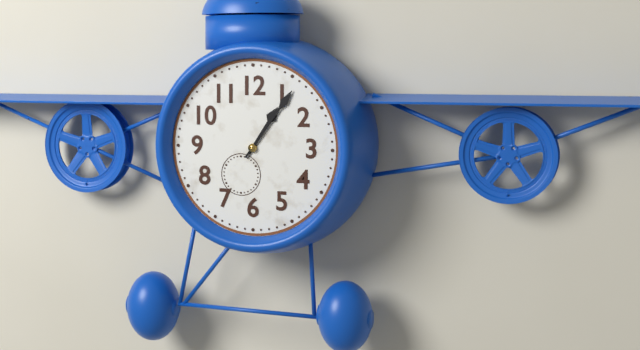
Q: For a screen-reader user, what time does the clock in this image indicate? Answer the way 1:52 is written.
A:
1:06
